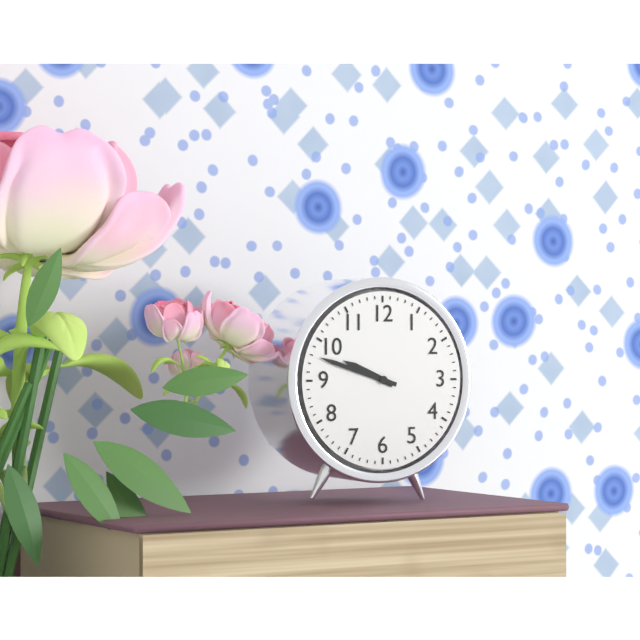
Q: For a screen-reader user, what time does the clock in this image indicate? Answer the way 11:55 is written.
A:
9:48
